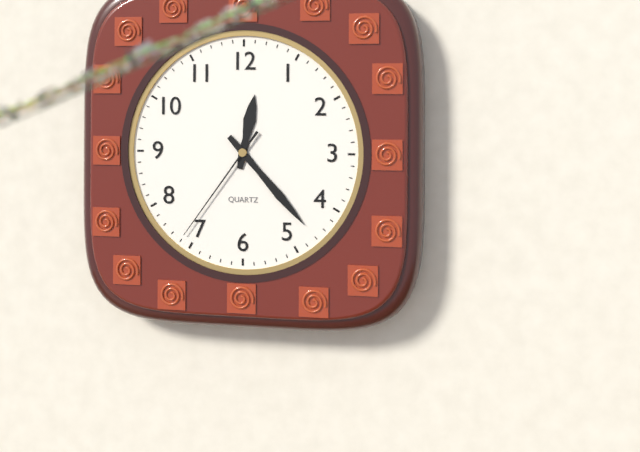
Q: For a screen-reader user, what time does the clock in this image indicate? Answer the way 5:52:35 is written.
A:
12:23:36
